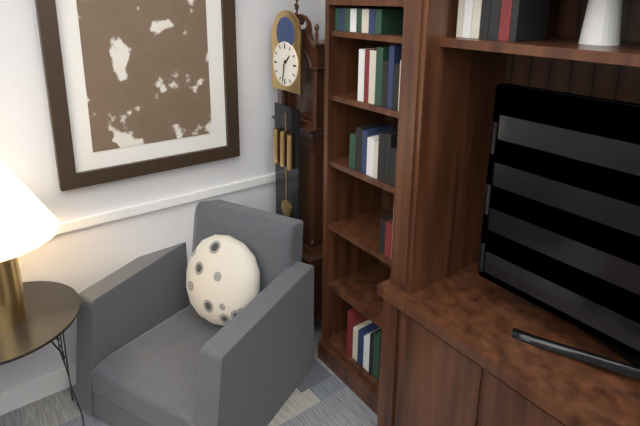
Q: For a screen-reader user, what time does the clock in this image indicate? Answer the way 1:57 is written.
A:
1:32
